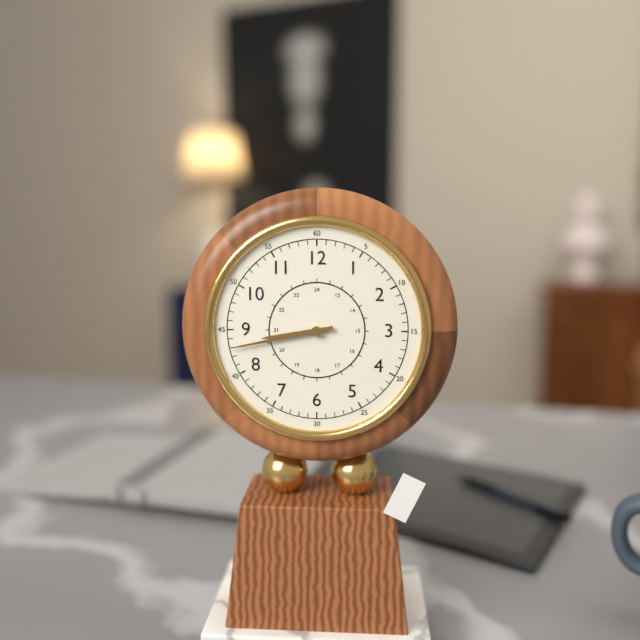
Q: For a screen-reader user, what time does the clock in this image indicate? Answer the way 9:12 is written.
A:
8:43
